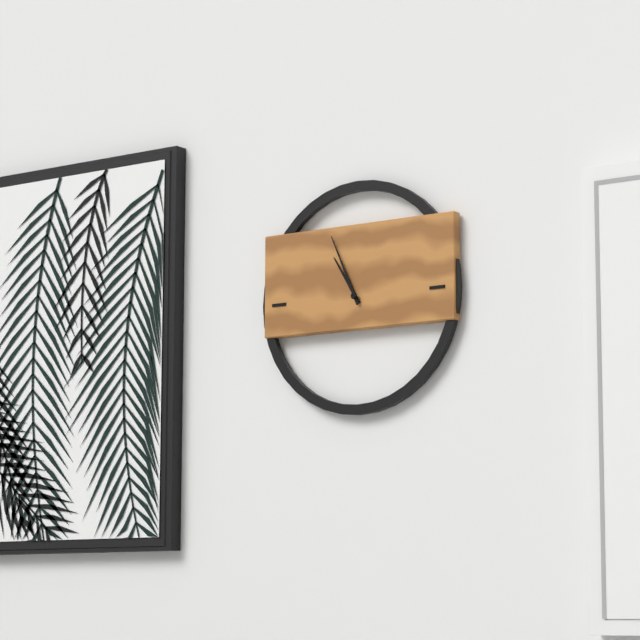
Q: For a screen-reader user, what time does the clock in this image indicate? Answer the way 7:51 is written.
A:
10:56
